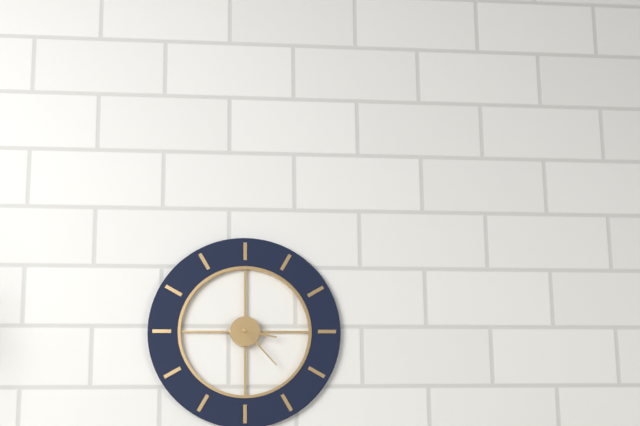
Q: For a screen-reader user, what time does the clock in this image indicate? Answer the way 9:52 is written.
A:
3:23
